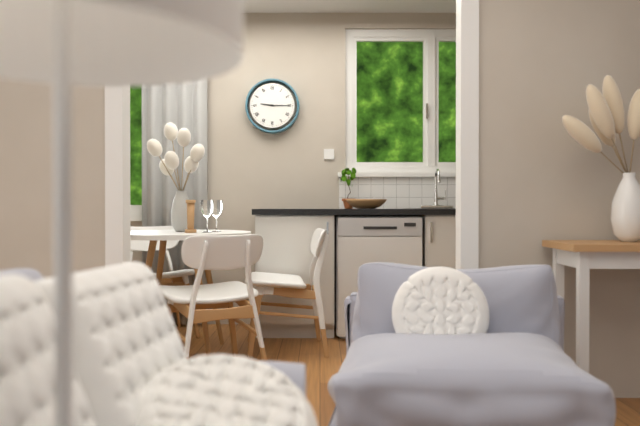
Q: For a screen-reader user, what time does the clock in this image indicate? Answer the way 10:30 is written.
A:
9:15
